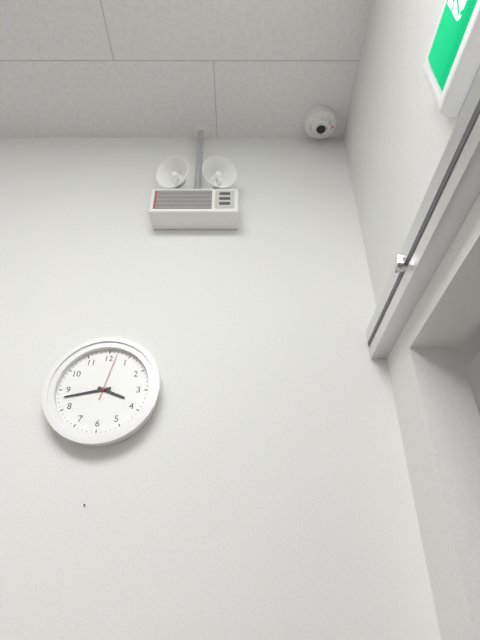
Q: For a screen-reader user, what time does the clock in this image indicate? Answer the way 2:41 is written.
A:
3:43
